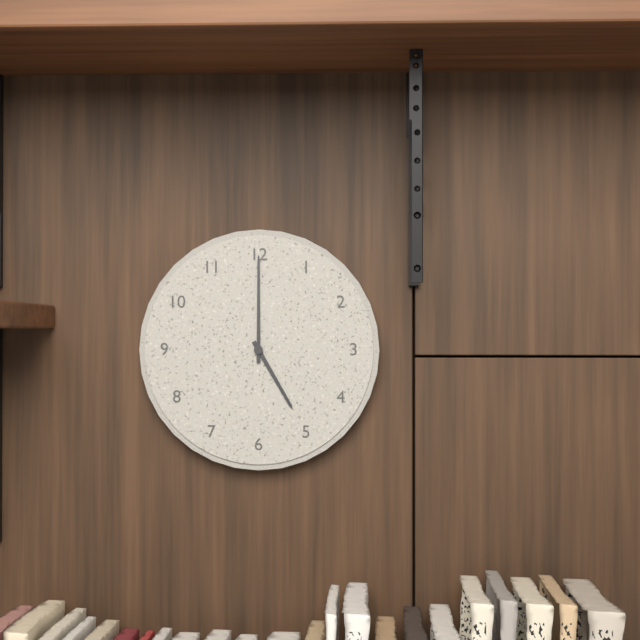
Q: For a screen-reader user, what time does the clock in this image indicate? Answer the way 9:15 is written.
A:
5:00
